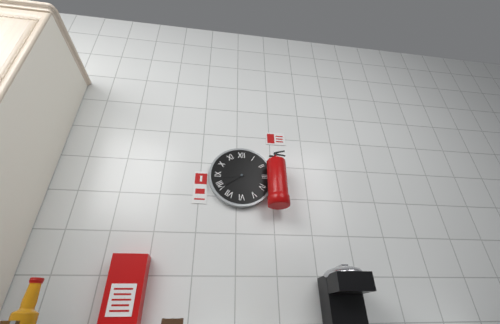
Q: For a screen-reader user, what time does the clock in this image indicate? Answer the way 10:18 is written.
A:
8:39
